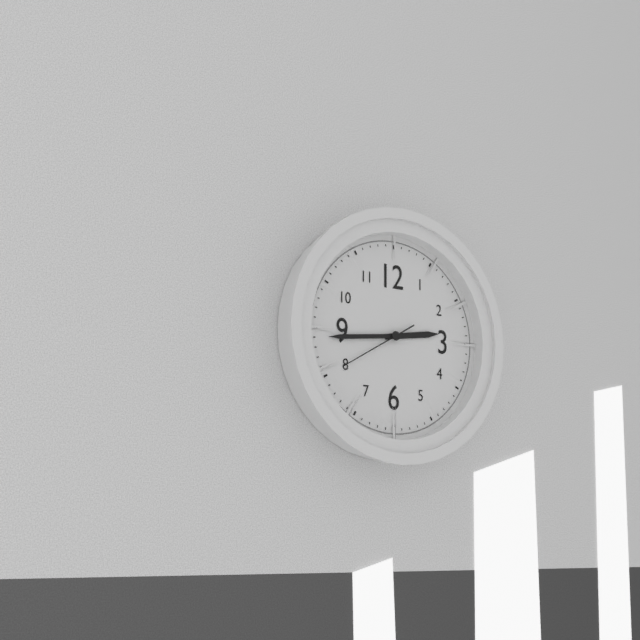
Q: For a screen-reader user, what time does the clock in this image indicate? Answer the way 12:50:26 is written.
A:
2:44:40
